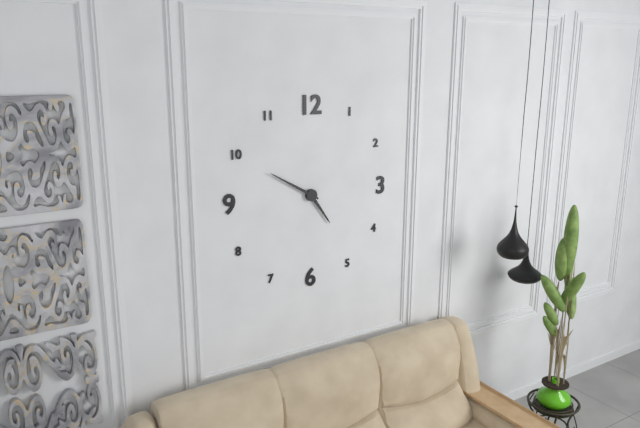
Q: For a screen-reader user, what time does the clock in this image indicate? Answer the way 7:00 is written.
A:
4:50
